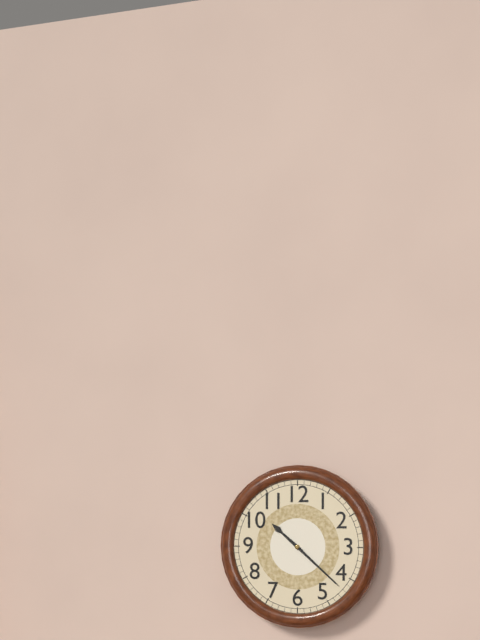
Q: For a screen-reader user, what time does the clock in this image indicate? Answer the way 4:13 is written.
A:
10:22
